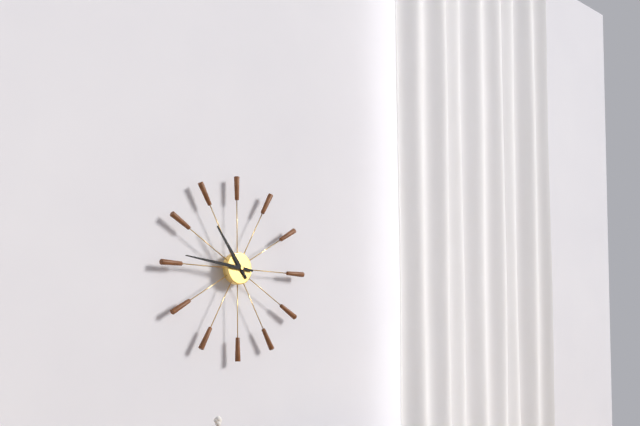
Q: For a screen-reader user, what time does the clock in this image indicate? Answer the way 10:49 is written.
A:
10:46
